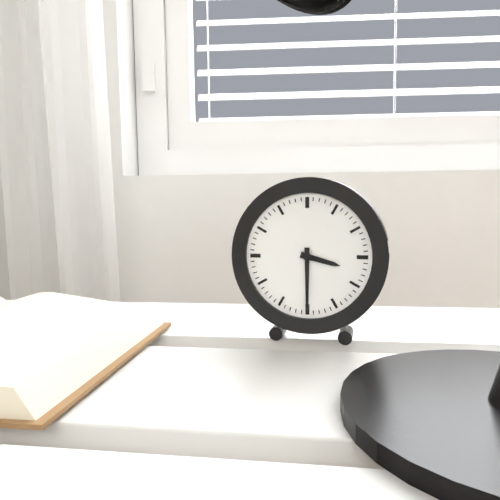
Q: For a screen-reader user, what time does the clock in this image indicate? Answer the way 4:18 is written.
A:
3:30
